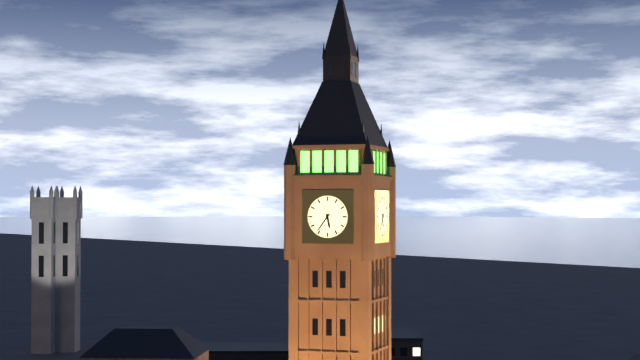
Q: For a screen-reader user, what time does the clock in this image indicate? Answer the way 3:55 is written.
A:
5:36
